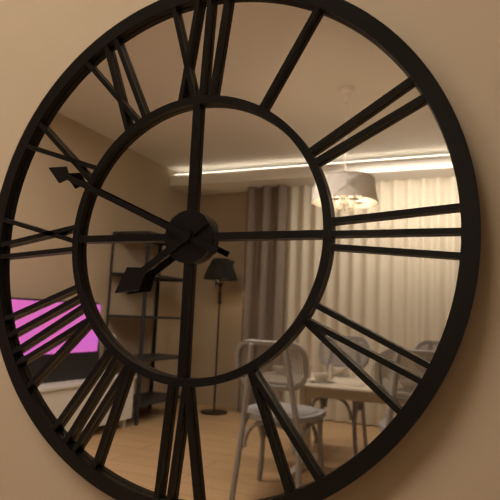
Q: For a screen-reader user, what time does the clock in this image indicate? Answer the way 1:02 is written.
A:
7:49
